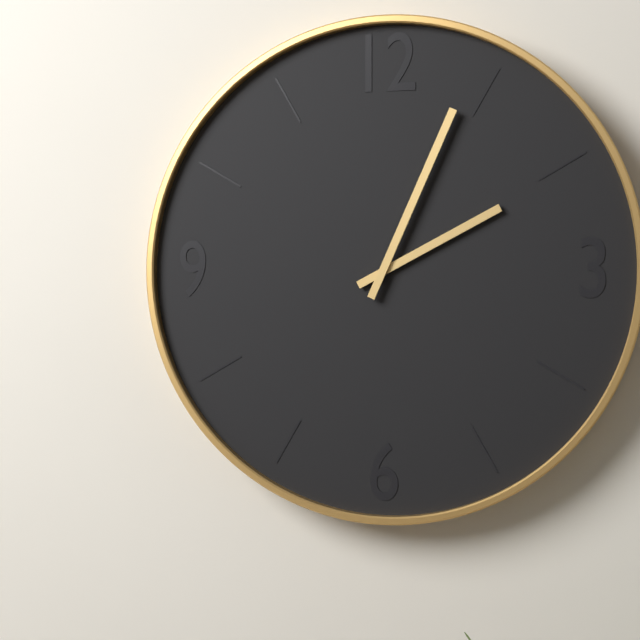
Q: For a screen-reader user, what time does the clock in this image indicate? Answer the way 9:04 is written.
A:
2:04
